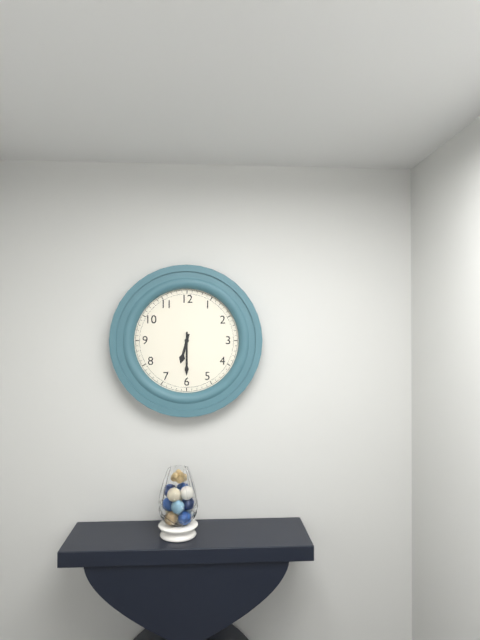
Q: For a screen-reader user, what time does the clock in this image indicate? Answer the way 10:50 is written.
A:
6:30
